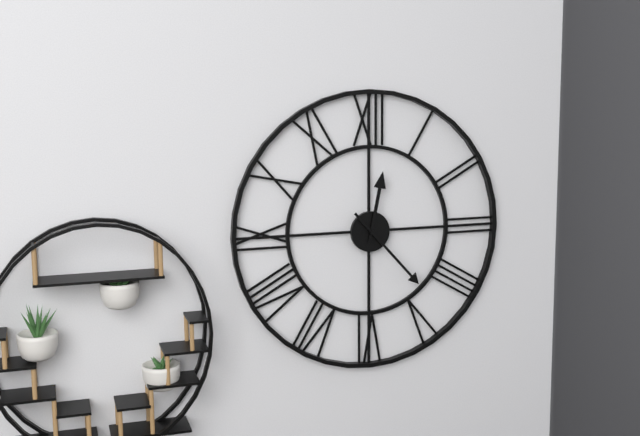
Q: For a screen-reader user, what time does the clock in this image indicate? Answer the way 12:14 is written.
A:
12:23
